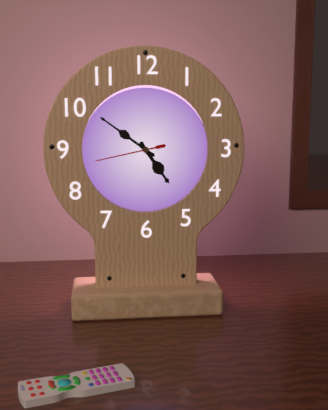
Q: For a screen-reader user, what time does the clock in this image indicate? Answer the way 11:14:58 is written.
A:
4:51:43
